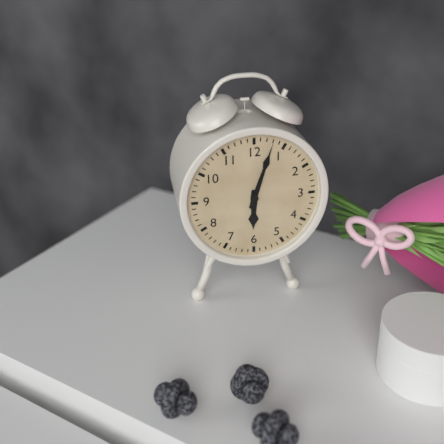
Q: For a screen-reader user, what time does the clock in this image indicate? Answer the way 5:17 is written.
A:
6:03
